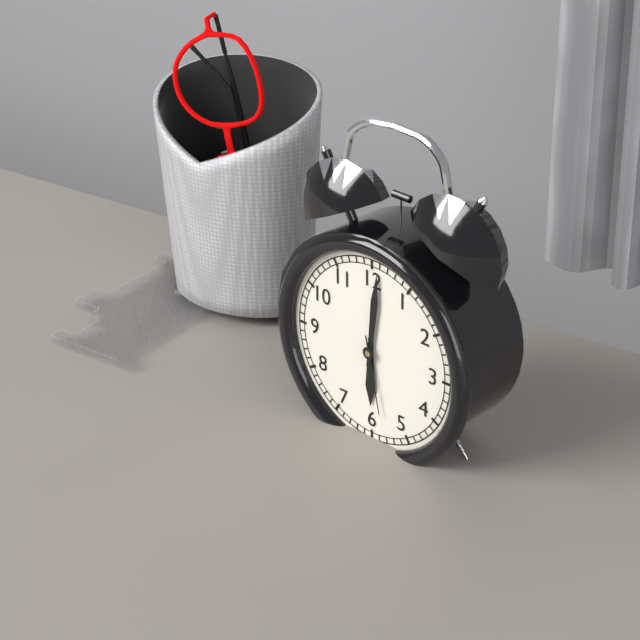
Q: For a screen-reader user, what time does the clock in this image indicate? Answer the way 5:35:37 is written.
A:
6:01:28
